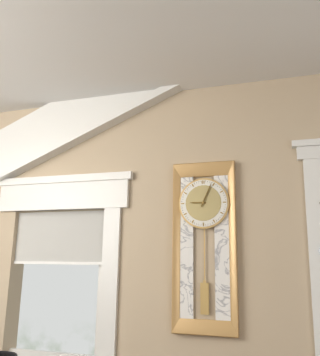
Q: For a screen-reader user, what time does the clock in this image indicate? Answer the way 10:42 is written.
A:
9:04
